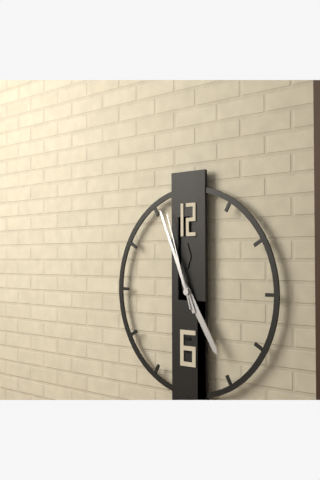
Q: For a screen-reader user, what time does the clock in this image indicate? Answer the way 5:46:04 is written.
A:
4:56:57
